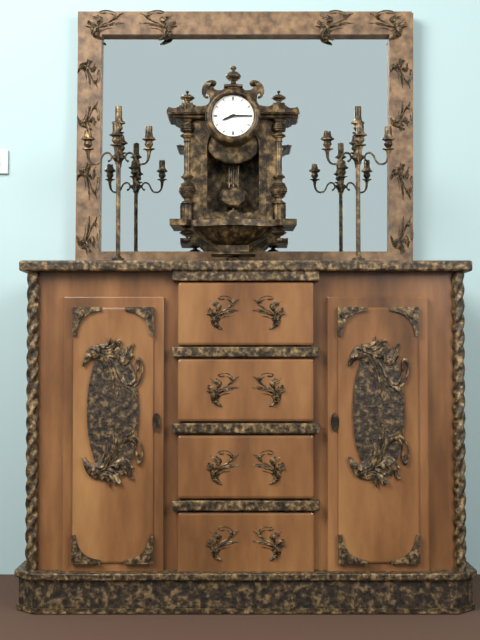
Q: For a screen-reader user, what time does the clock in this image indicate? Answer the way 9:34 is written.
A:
8:15
